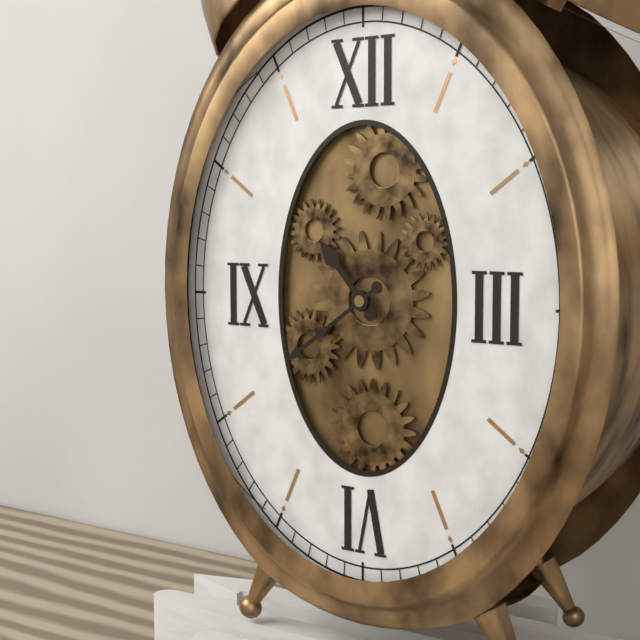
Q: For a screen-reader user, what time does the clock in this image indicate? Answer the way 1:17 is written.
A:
10:39
